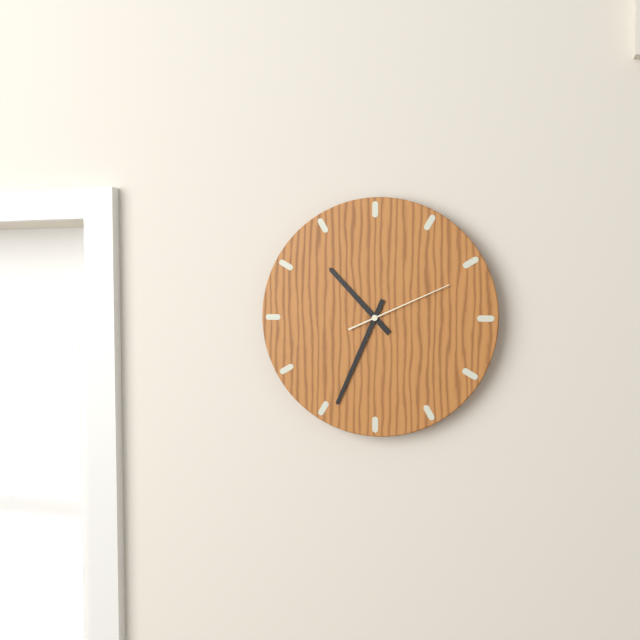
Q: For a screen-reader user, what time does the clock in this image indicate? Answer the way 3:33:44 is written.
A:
10:34:11
